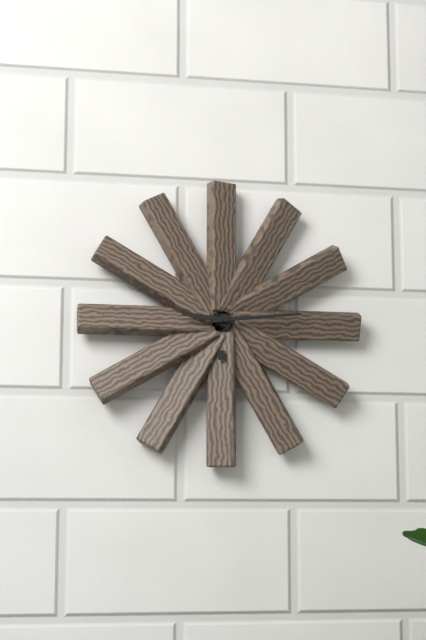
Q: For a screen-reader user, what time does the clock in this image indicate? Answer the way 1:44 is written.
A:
9:14
